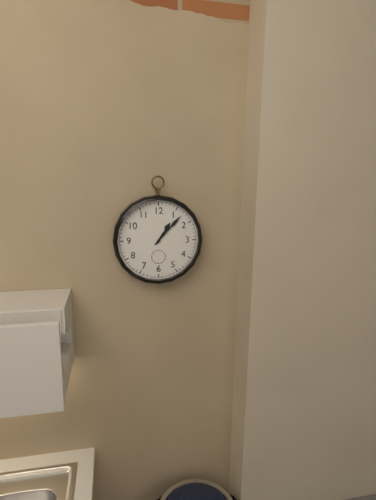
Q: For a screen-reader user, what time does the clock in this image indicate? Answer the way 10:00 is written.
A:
1:07
